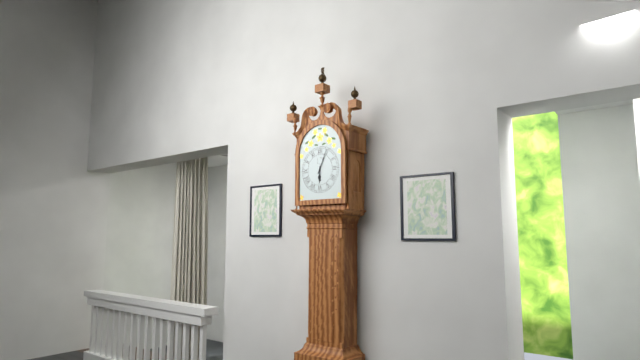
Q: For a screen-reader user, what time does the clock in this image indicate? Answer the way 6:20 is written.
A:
6:04
